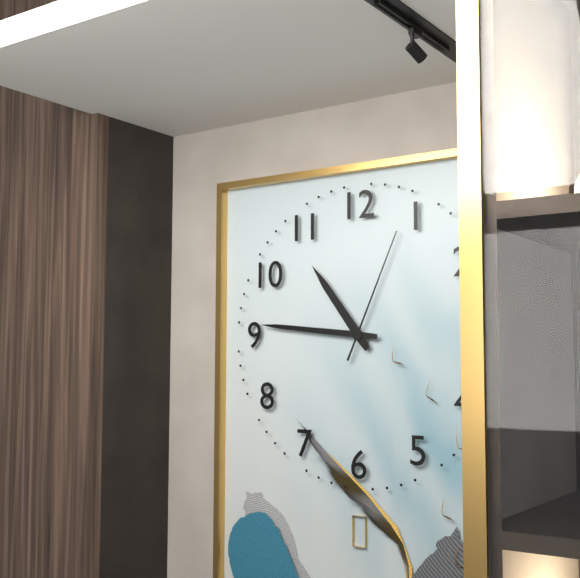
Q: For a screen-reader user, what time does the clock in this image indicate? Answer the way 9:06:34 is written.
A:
10:46:04
